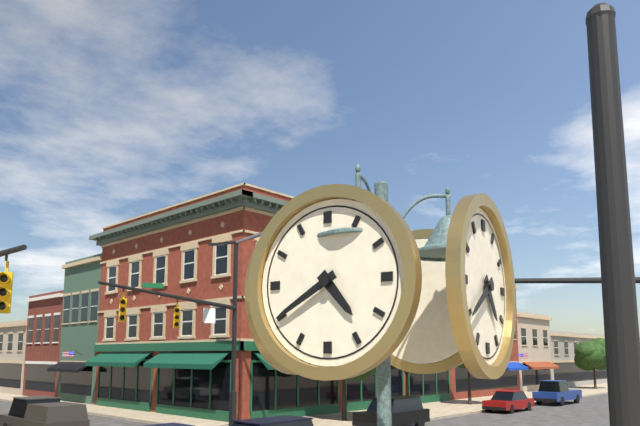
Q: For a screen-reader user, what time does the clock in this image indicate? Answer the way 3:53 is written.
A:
4:40
